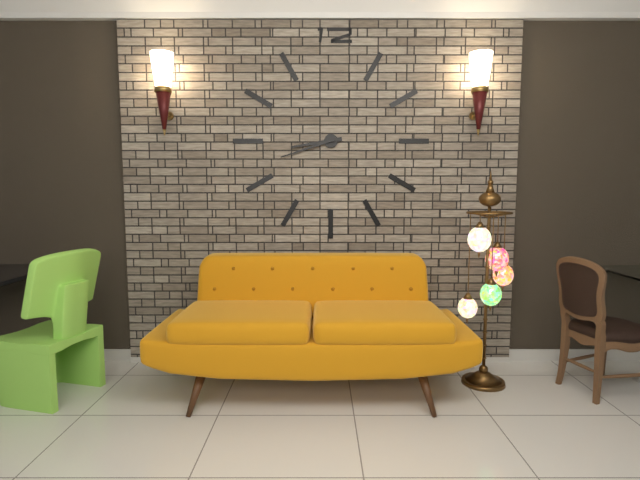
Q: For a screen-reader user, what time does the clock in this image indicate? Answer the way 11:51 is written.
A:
8:42
